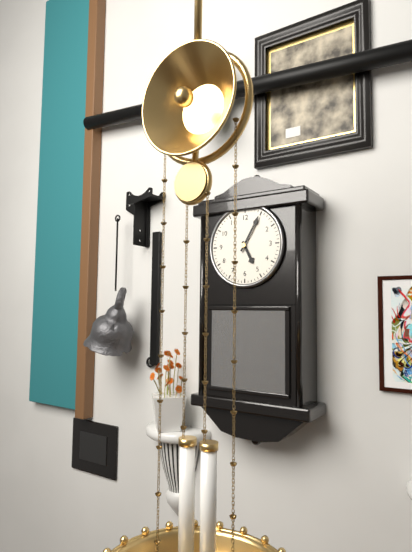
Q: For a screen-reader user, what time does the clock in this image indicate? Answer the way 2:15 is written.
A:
5:05
